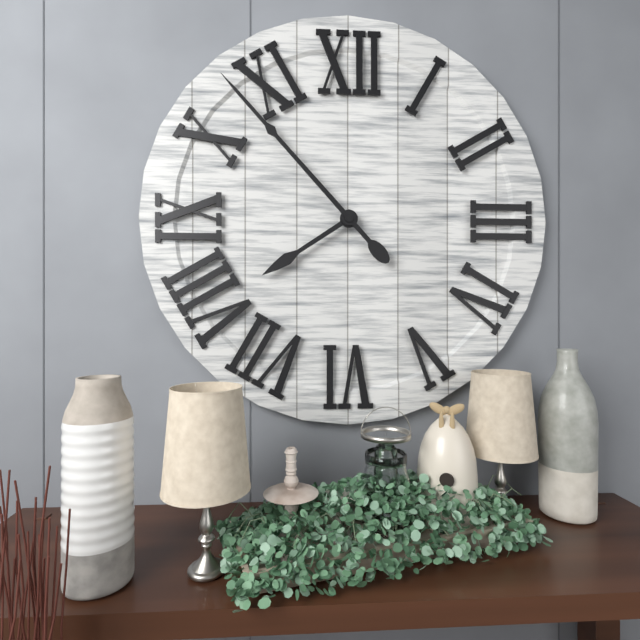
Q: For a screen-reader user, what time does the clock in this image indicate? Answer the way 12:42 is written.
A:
7:53
